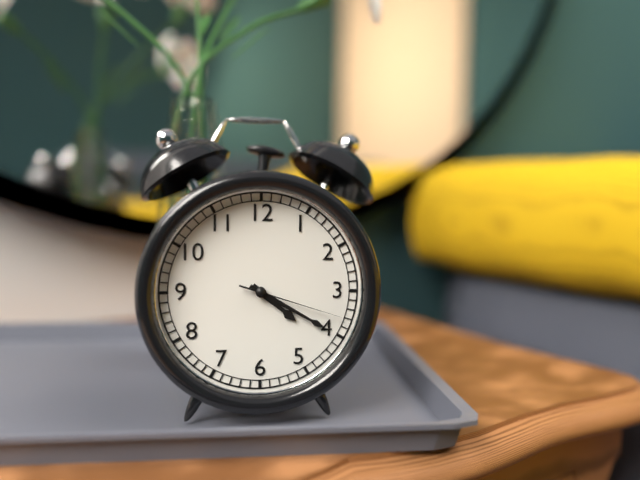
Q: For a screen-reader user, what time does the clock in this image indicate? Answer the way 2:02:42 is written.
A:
4:20:18
